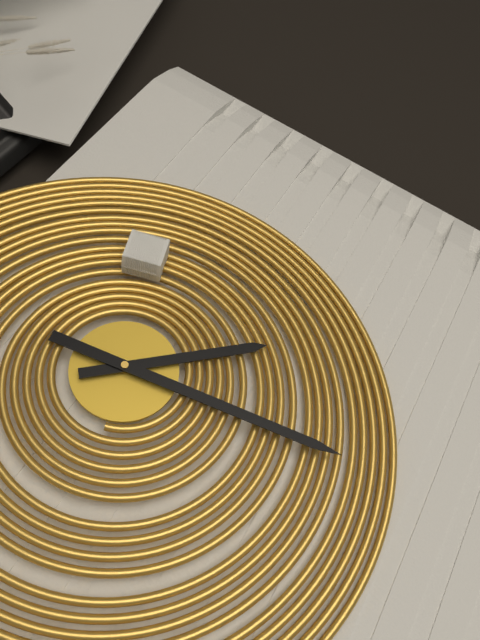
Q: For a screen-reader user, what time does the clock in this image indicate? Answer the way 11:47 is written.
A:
4:28
